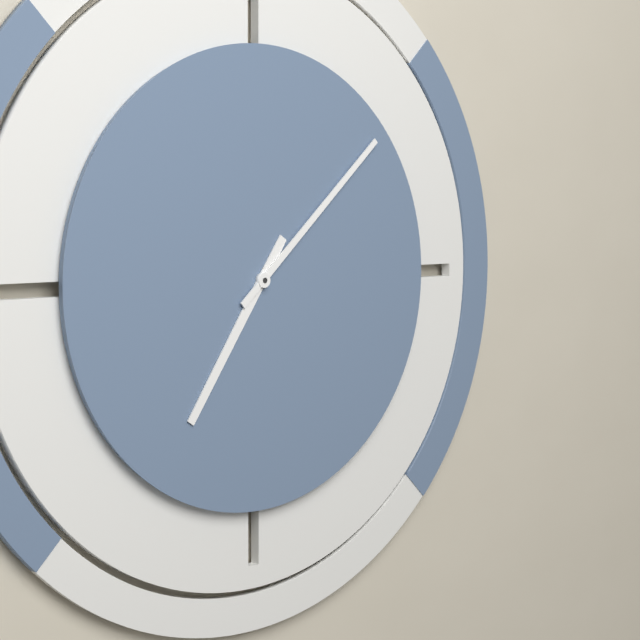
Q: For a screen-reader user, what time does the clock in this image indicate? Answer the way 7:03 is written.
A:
7:08
